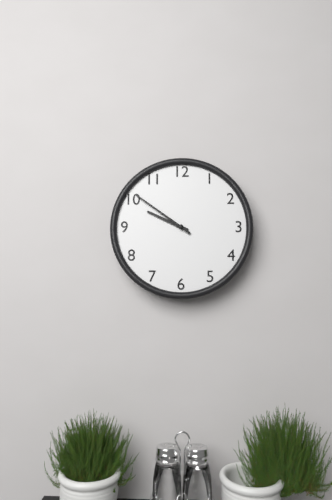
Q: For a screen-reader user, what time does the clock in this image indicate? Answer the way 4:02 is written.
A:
9:51
